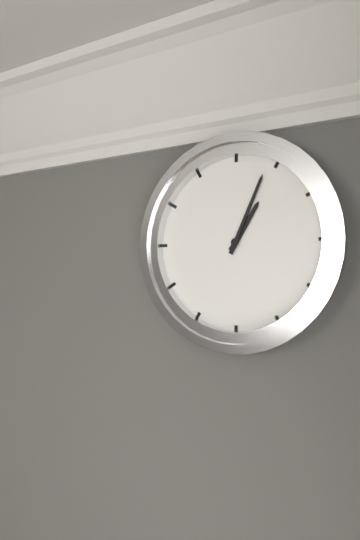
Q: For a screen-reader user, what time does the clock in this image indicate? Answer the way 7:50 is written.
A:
1:04
